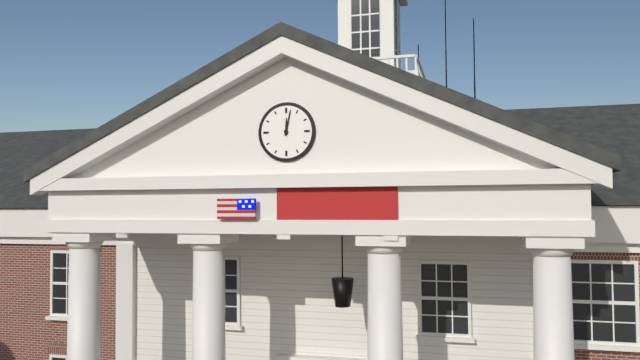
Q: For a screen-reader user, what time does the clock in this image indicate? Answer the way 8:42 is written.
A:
12:02
